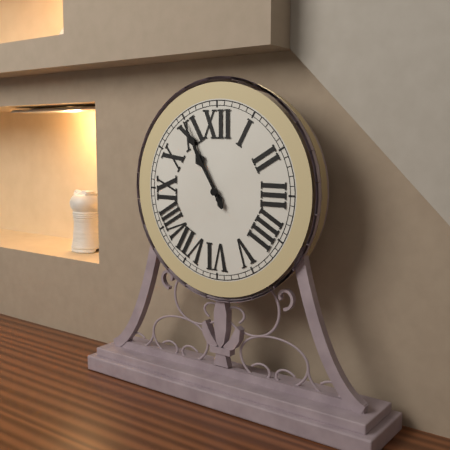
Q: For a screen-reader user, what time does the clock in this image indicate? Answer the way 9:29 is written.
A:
10:55
